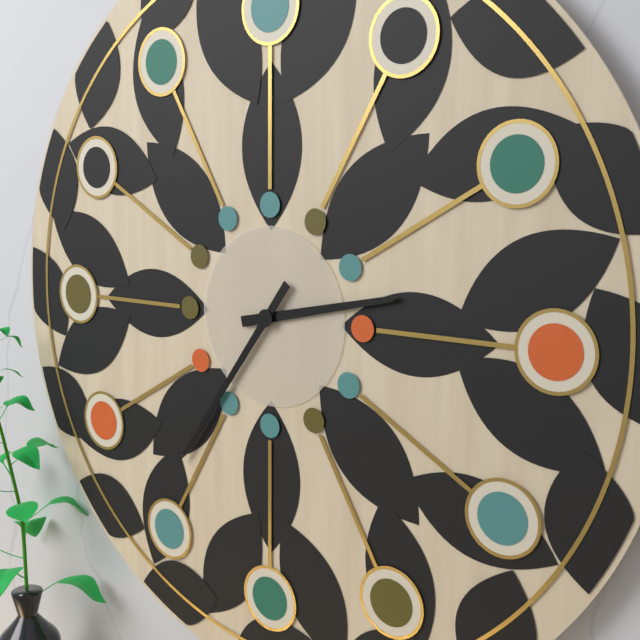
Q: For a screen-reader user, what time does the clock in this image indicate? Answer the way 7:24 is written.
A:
2:36
